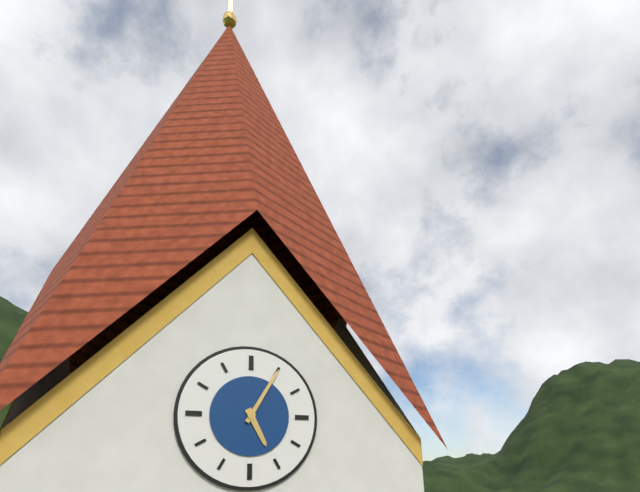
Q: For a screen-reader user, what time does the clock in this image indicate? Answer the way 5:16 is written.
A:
5:05
